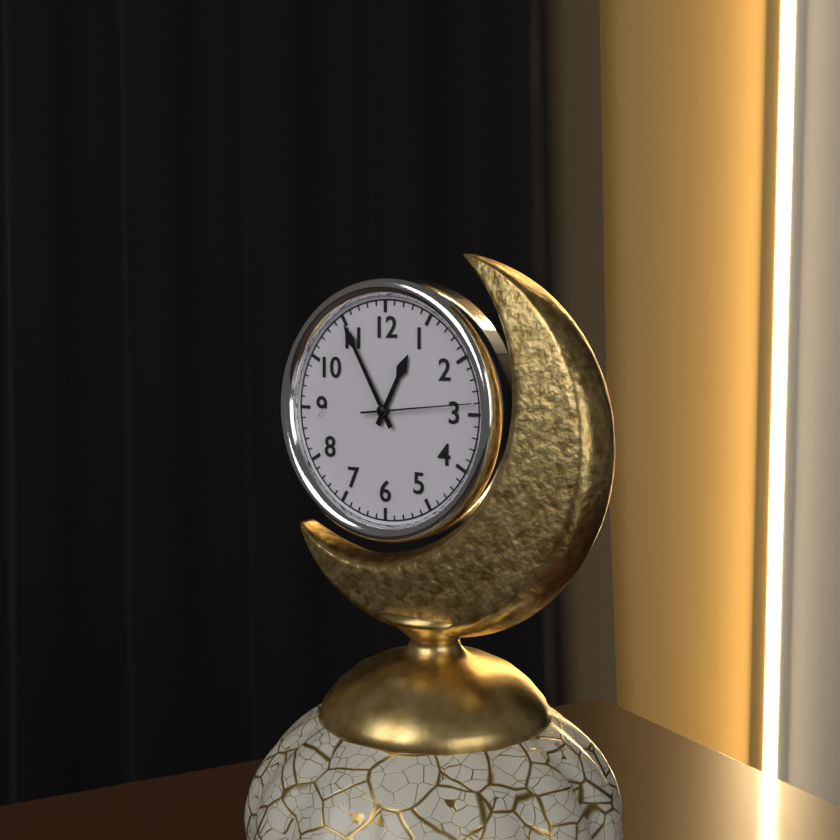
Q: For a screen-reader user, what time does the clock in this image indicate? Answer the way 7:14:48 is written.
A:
12:55:14
